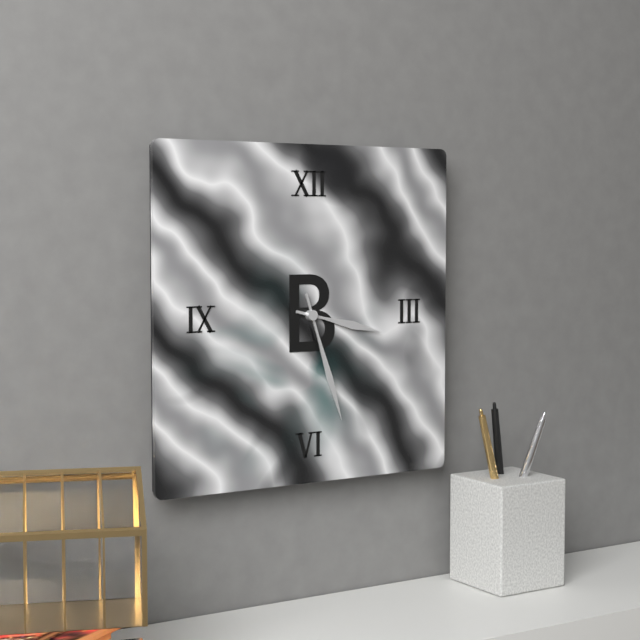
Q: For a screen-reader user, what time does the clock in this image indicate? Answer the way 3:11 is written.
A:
3:27
